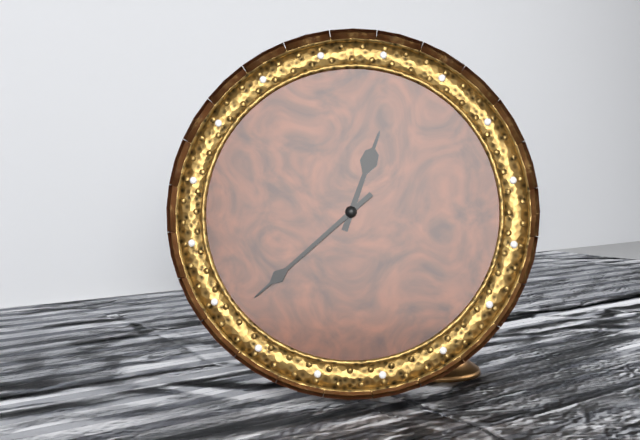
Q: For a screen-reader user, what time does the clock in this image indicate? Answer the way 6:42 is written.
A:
12:38
